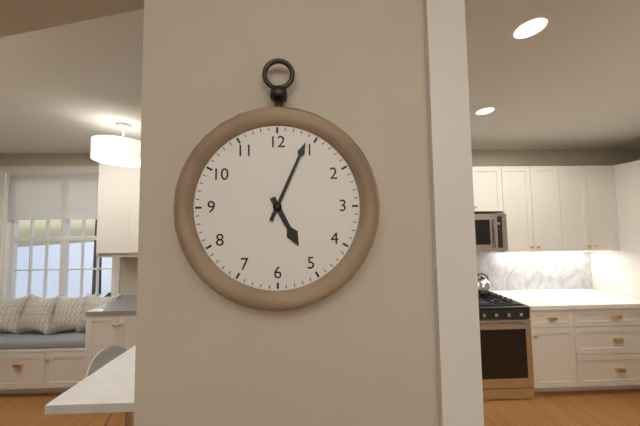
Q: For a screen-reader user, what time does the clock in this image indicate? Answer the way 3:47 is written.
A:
5:04
